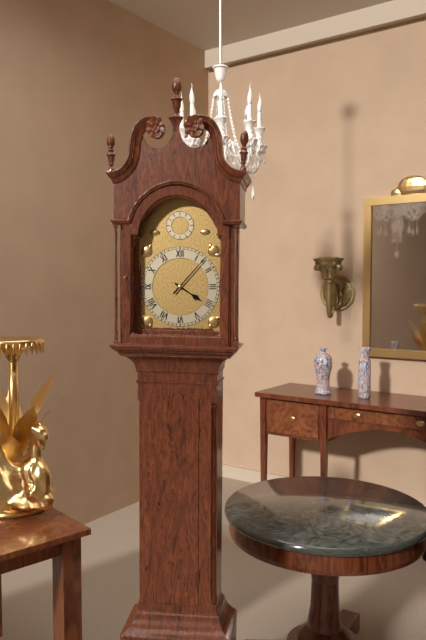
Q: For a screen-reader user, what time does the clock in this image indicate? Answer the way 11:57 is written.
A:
4:07
